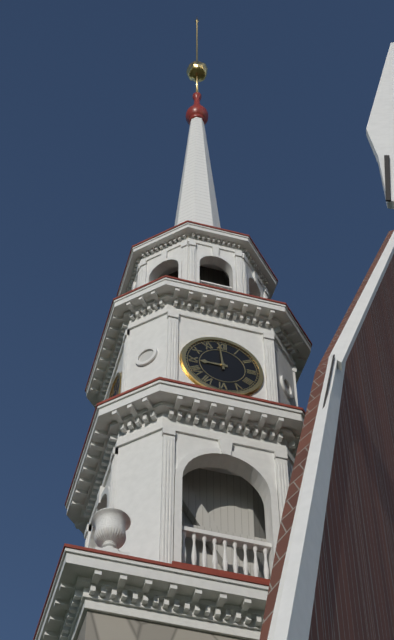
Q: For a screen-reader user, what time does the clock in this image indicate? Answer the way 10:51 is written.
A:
8:59
